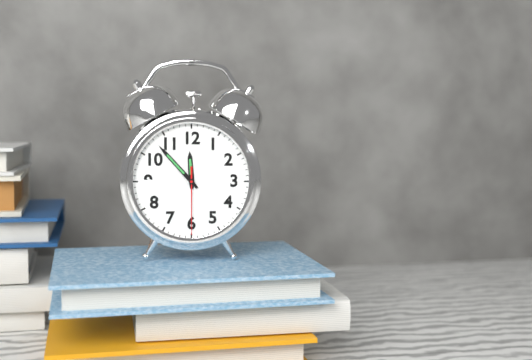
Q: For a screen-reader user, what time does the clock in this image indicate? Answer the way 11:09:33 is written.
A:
11:53:30
